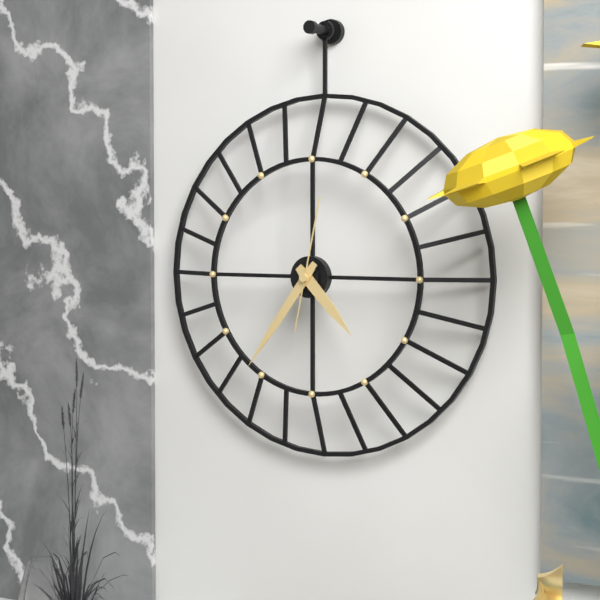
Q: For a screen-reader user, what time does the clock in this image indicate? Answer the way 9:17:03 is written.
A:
4:36:02
